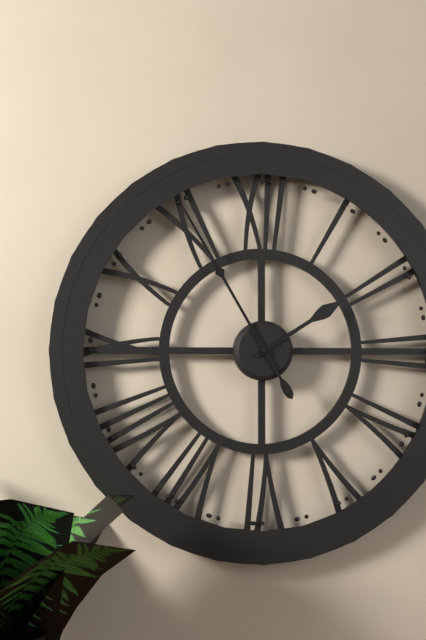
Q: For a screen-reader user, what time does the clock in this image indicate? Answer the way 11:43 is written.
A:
1:55
